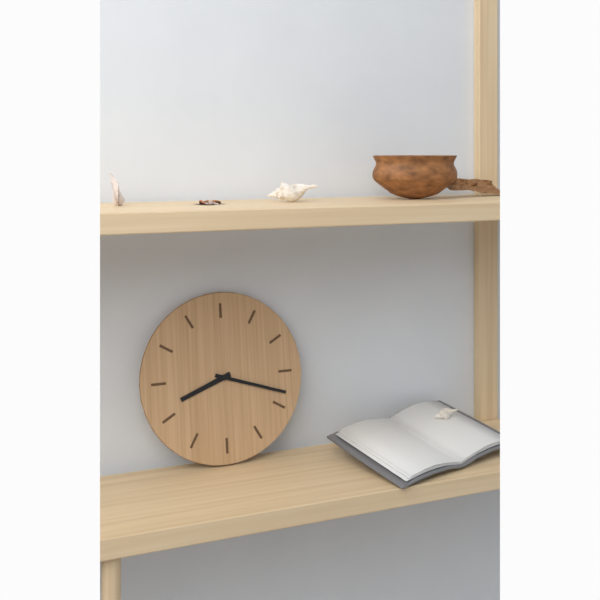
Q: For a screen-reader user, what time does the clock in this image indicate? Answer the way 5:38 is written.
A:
8:18
